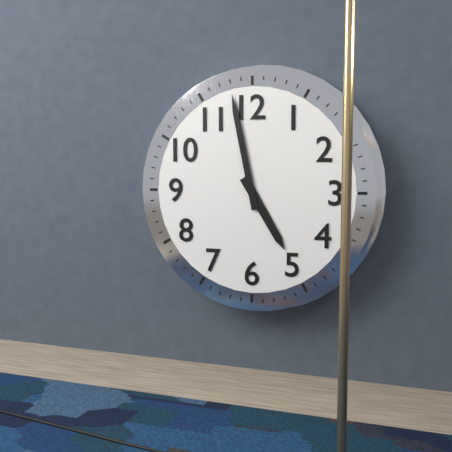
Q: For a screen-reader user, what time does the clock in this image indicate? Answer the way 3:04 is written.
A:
4:58
